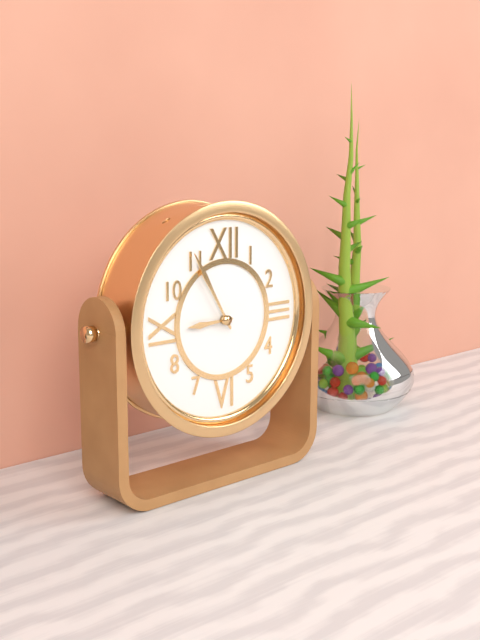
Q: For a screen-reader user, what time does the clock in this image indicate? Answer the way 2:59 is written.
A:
8:55
